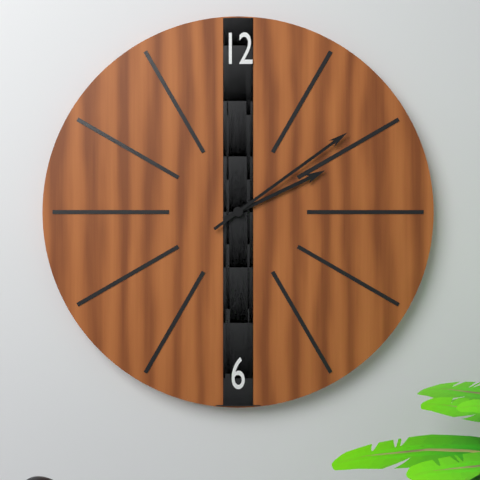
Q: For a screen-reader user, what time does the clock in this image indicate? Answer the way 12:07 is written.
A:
2:09
